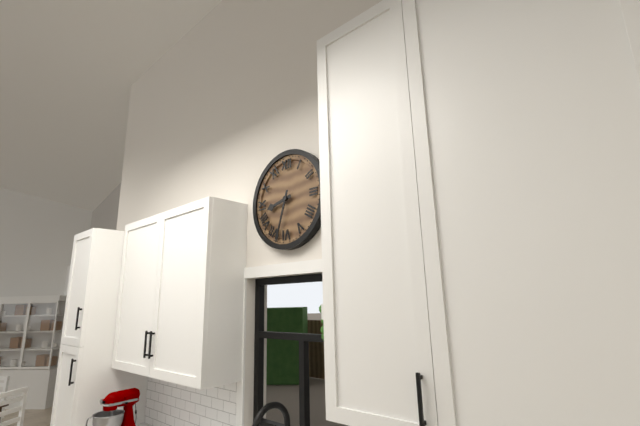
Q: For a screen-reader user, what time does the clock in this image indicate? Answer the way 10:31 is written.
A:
8:33
